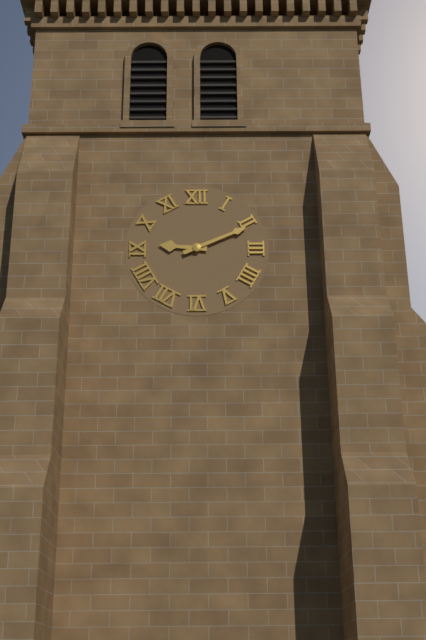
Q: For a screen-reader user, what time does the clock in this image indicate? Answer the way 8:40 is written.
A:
9:11
